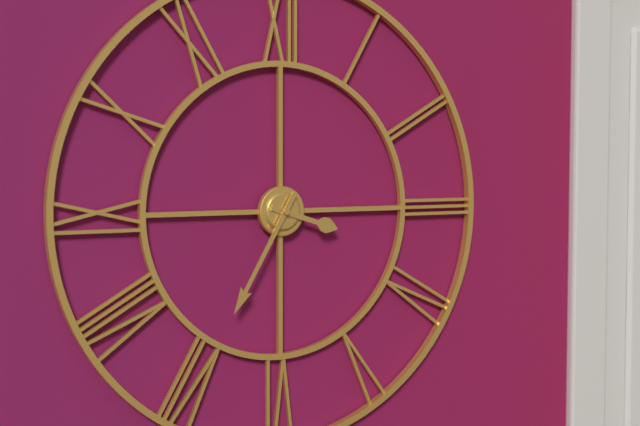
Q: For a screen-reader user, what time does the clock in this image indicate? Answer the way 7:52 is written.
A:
3:35
